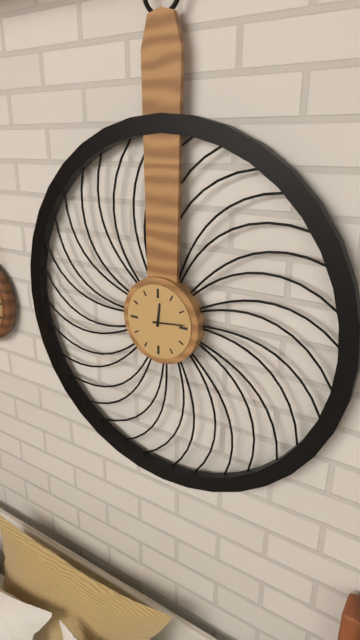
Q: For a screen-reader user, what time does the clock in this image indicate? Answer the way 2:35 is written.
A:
12:14
